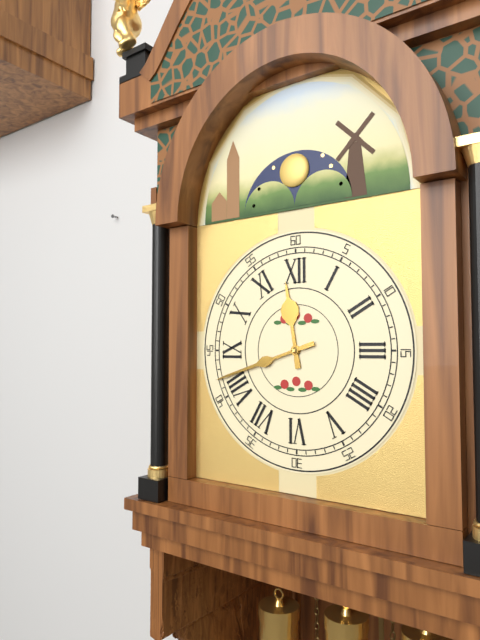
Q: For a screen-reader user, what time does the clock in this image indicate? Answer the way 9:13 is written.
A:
11:42
